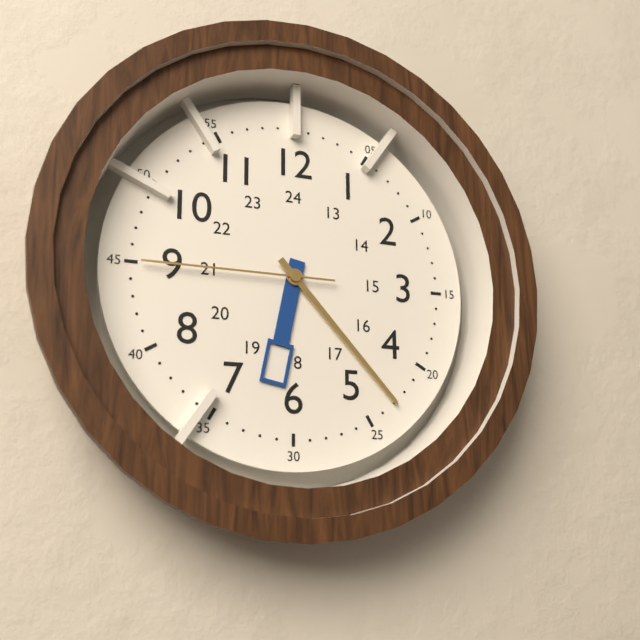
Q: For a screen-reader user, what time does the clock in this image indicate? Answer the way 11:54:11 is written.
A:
6:23:45
